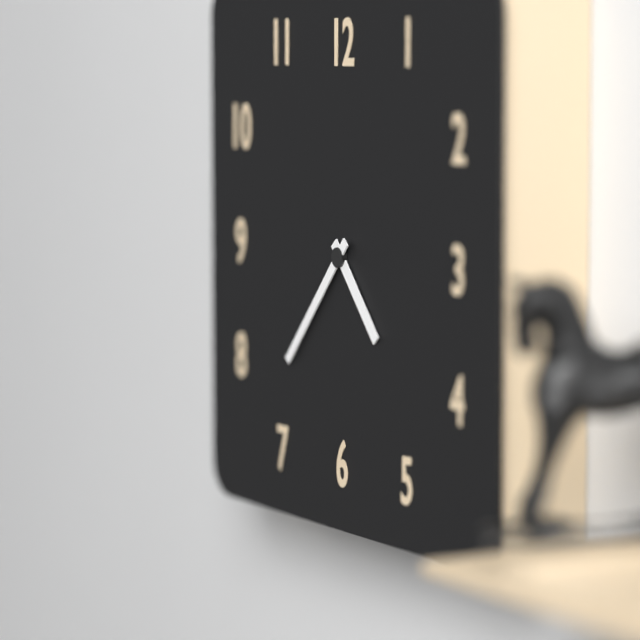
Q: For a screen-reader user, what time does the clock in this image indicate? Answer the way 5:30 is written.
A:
4:37
